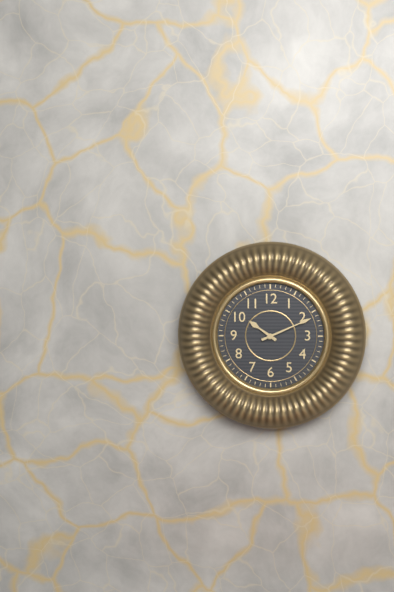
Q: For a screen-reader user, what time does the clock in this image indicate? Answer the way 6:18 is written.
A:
10:11
